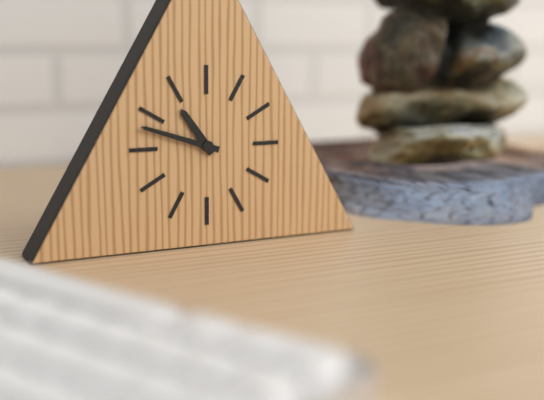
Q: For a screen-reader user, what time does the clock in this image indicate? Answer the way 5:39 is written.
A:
10:48
